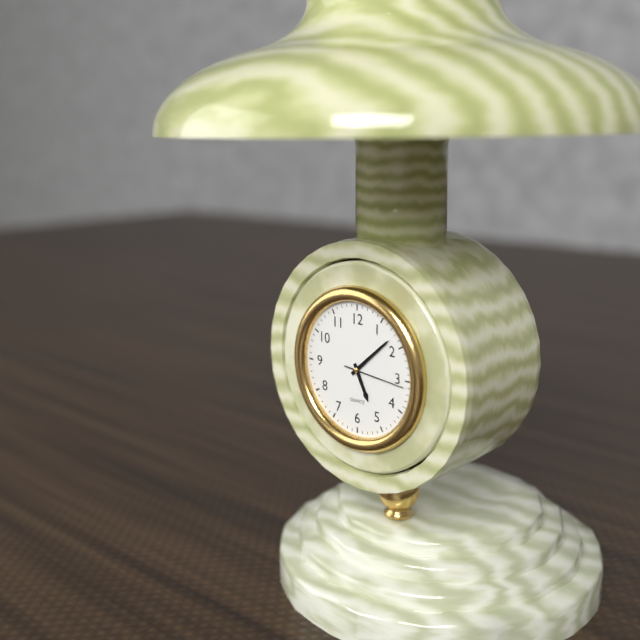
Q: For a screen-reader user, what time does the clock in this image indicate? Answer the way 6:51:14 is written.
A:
5:08:16
